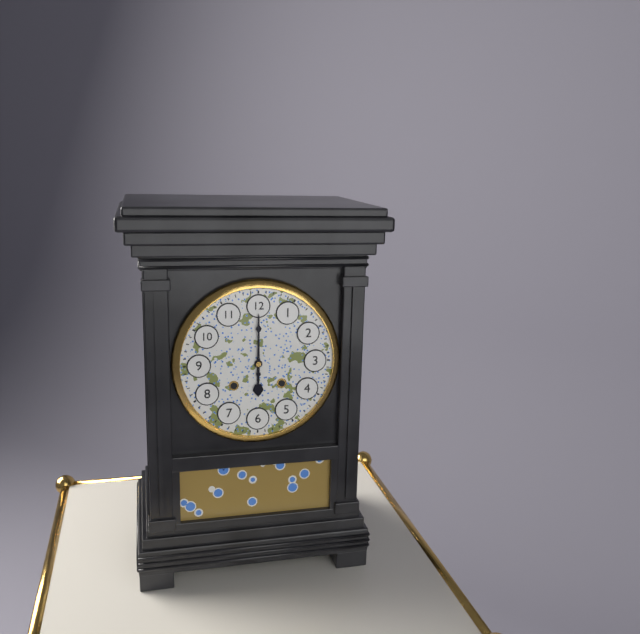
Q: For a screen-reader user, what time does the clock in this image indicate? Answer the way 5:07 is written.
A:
6:00
